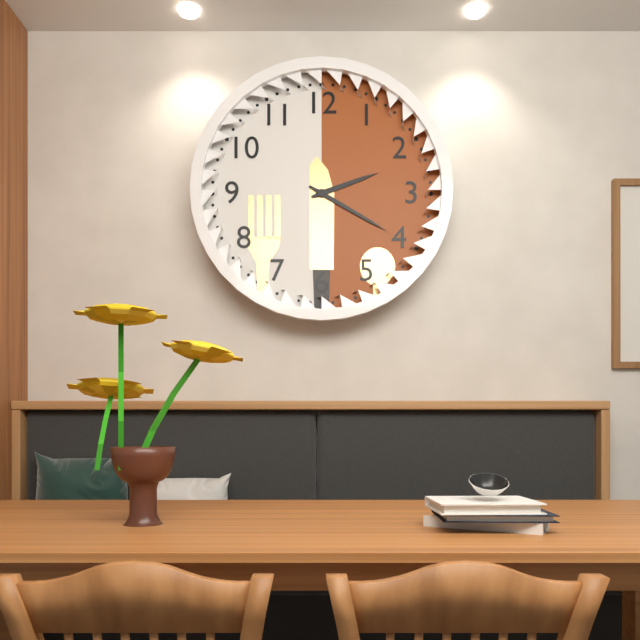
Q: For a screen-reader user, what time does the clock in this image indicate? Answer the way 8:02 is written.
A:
2:20
